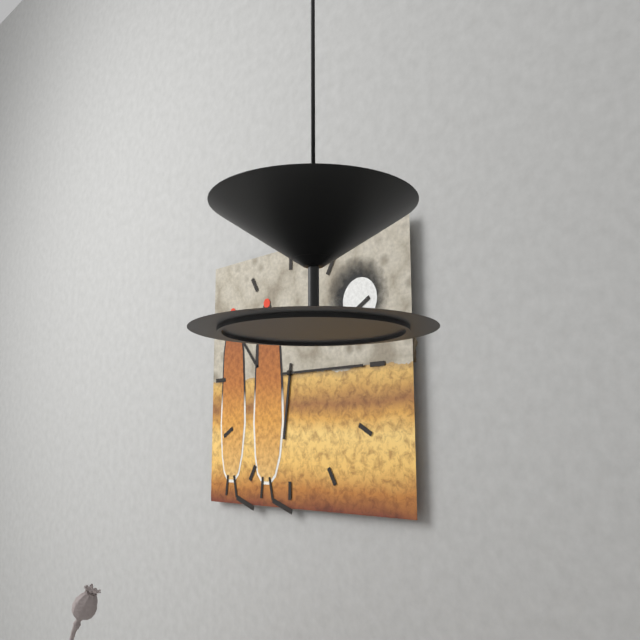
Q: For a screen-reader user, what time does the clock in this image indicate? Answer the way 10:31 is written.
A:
6:15
